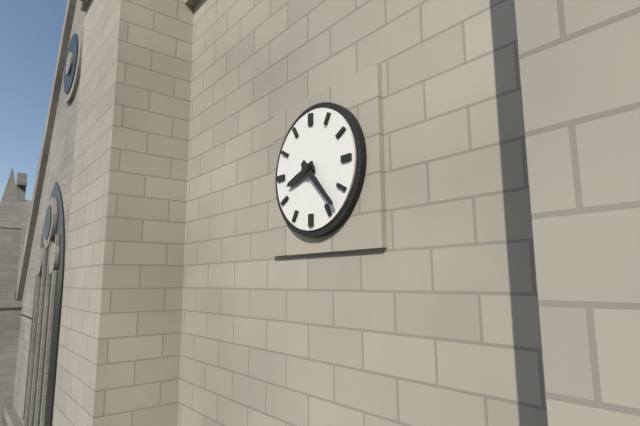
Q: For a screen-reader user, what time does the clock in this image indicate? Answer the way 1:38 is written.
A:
8:23
